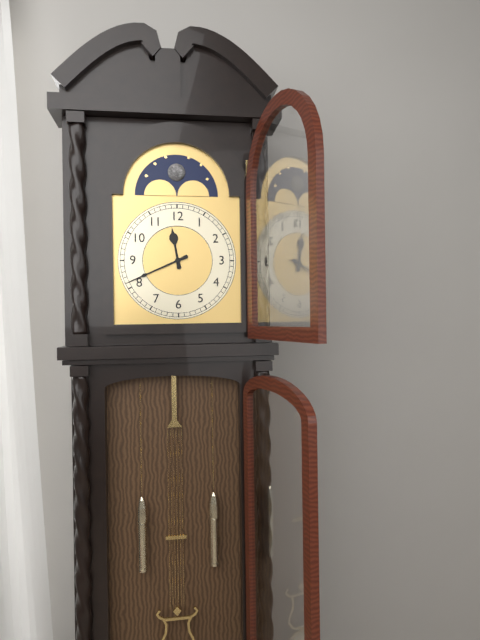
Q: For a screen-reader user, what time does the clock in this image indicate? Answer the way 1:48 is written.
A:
11:41
